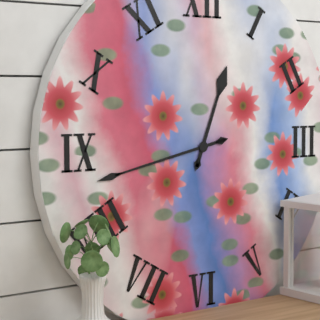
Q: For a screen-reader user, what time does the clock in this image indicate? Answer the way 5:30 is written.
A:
12:43
